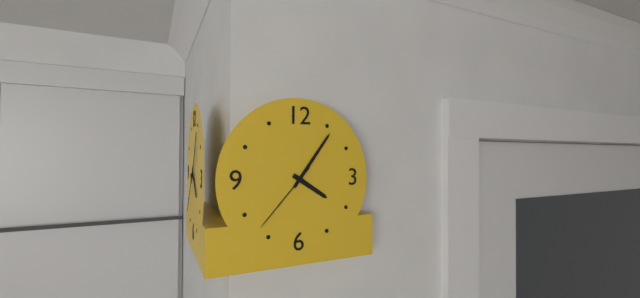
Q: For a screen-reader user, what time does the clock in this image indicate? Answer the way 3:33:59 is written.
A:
4:06:37
